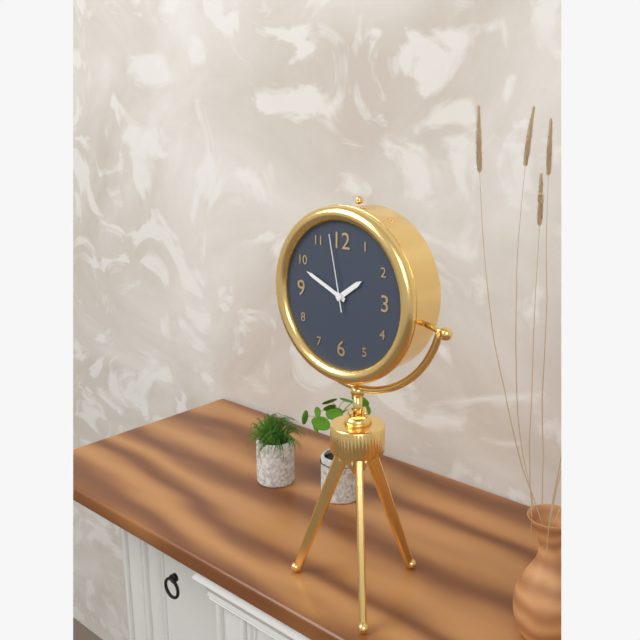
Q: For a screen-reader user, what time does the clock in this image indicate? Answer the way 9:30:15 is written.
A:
1:49:58
